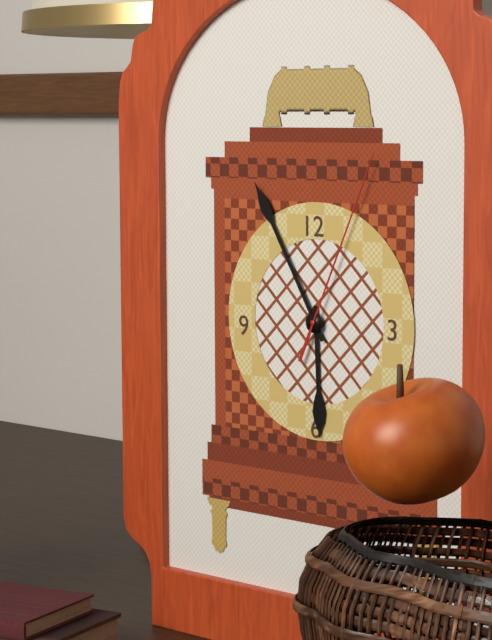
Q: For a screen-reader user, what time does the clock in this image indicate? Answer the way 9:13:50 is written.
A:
5:55:04
